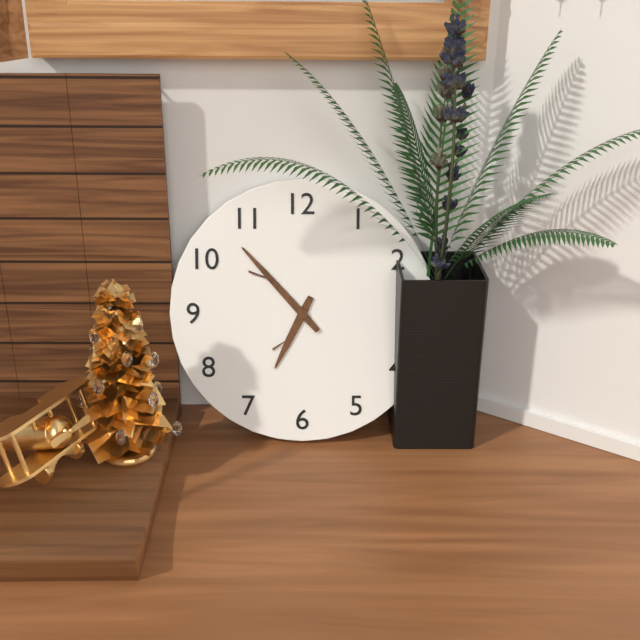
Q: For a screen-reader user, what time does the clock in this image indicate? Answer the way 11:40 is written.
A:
6:53
